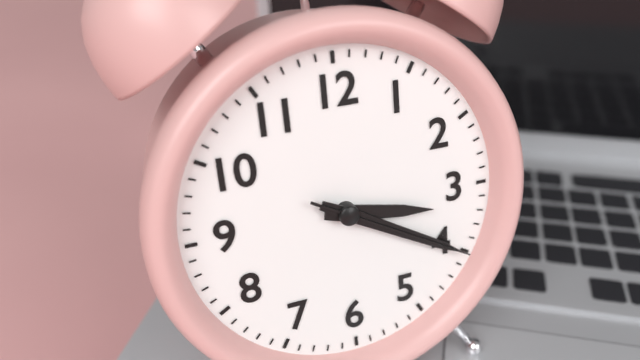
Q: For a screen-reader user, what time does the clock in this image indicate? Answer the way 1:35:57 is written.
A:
3:20:20
